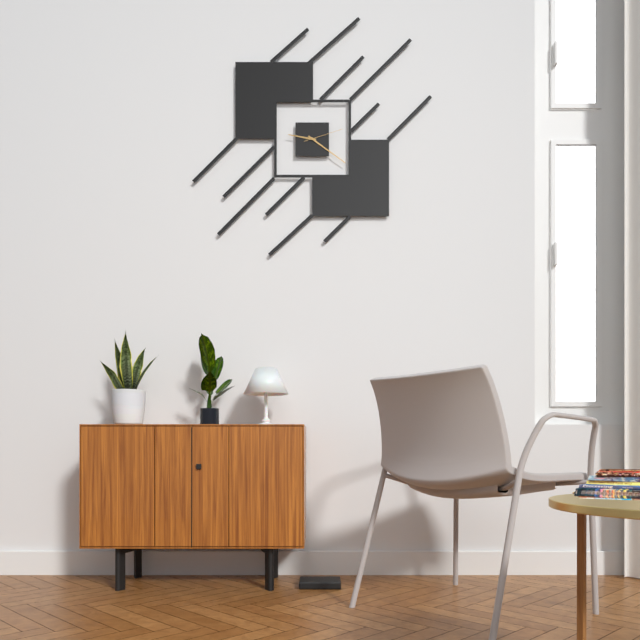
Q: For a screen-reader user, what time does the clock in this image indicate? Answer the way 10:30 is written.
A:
9:21
